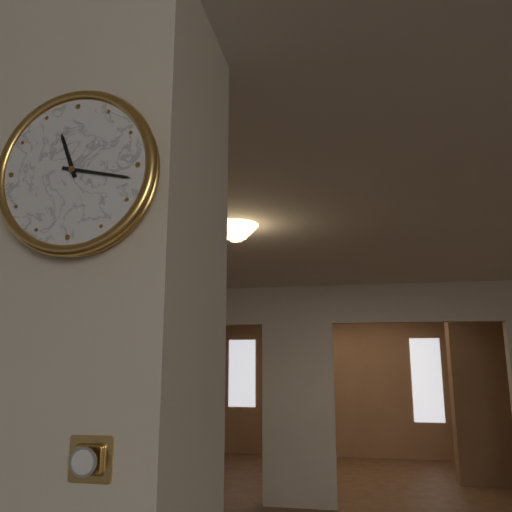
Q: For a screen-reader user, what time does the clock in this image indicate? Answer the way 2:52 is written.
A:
11:17
